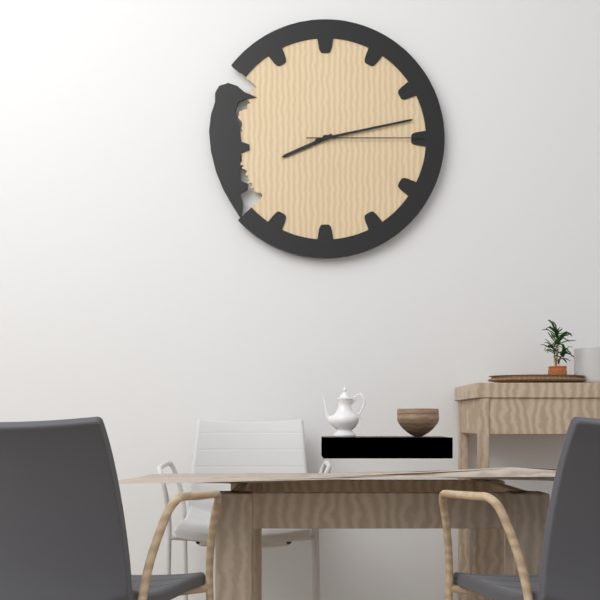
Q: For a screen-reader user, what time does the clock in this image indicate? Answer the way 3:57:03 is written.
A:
8:13:15
